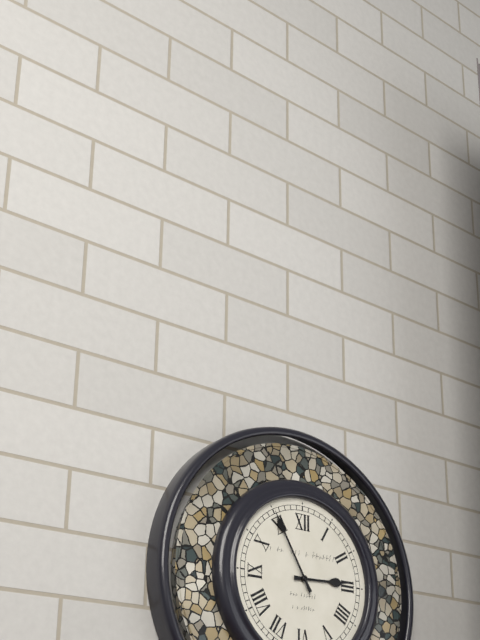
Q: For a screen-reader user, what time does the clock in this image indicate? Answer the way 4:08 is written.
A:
2:55
